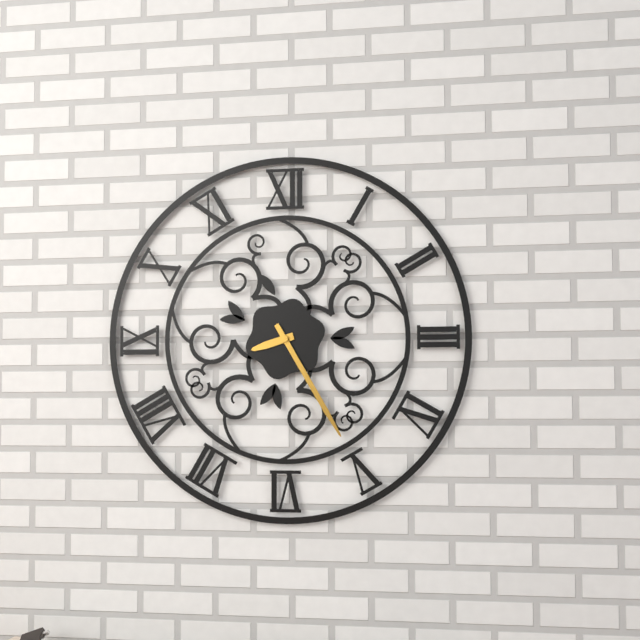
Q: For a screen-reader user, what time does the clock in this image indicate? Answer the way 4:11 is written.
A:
8:25
